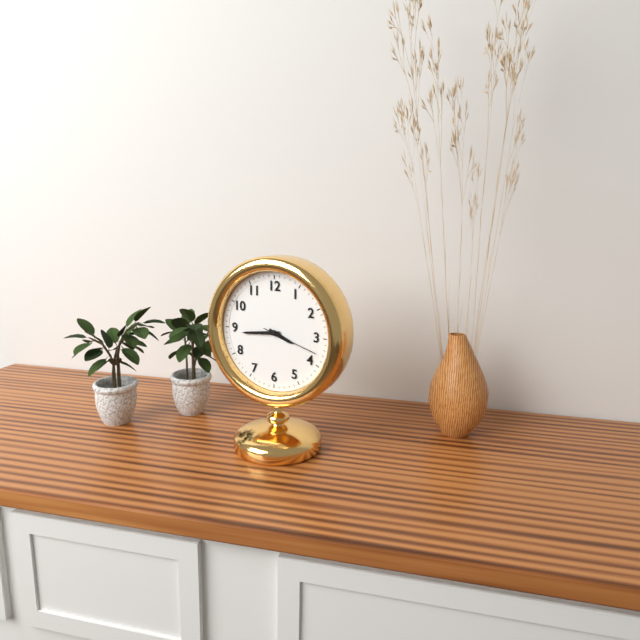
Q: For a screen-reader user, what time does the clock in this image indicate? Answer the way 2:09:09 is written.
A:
3:44:18
